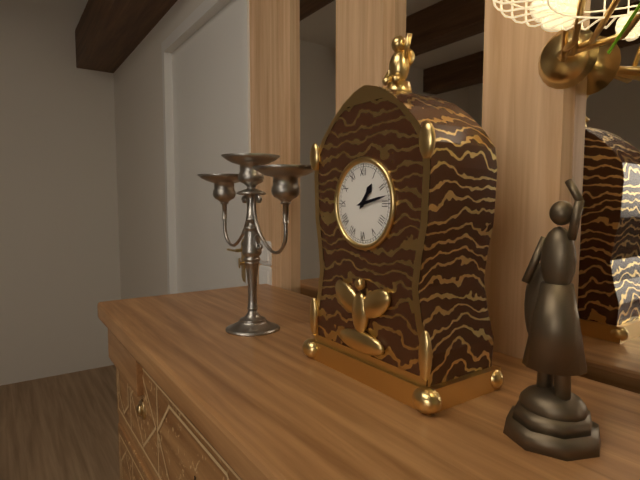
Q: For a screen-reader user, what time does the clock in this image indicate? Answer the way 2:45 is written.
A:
1:13
